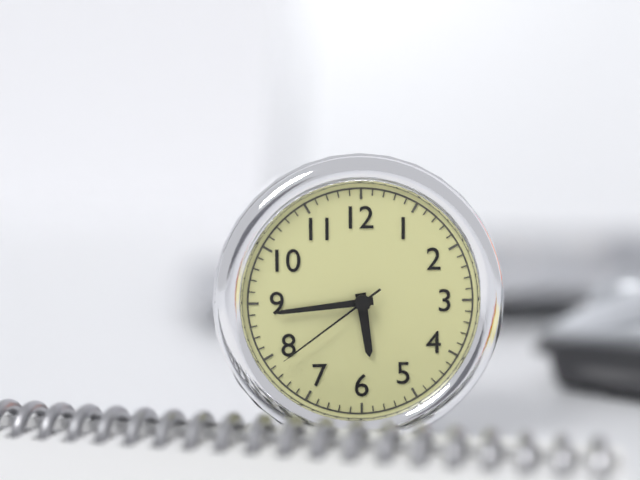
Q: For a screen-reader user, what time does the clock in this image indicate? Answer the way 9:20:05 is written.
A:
5:44:39
